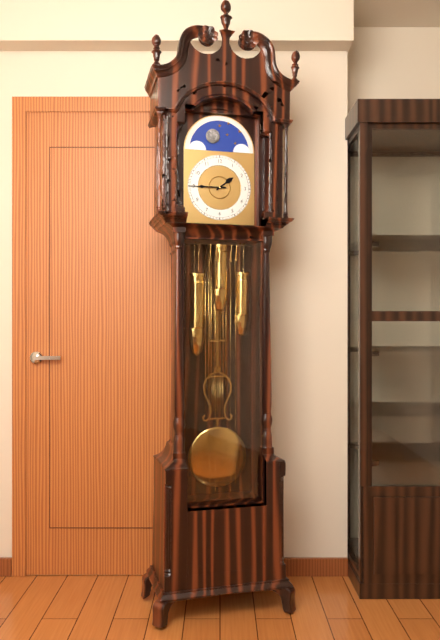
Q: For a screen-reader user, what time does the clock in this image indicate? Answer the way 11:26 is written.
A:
1:45
